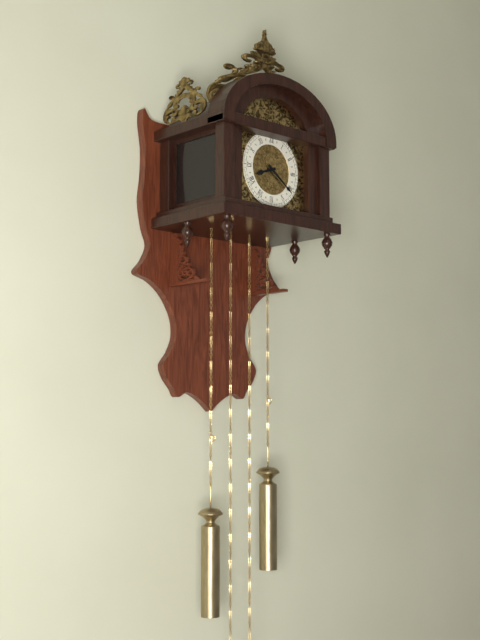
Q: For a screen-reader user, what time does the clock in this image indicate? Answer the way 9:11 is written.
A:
8:21
